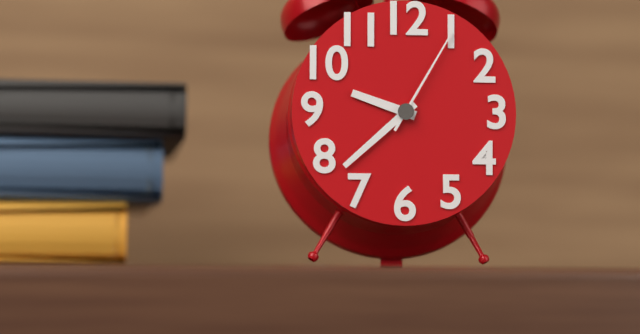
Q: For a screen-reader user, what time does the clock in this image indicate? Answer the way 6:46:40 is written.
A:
9:38:05
